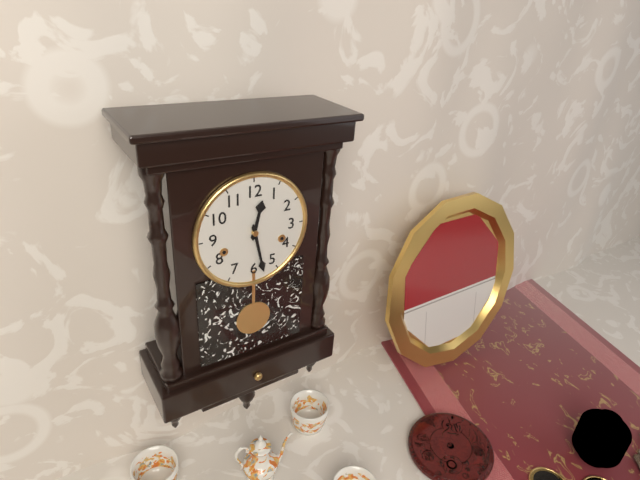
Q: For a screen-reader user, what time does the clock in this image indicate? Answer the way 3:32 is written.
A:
12:28
